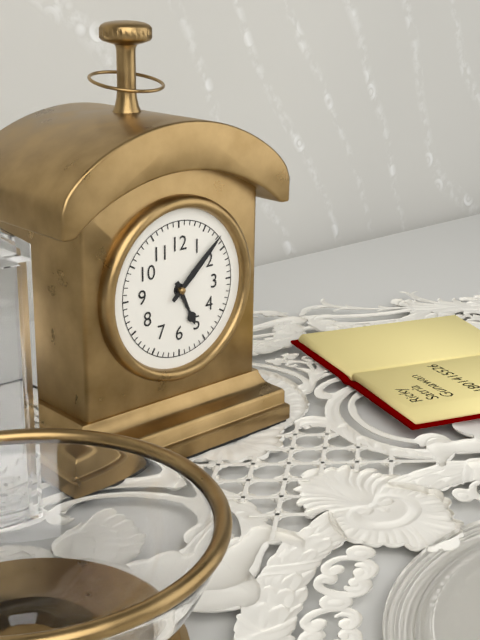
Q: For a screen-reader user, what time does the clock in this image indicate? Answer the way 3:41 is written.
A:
5:08
